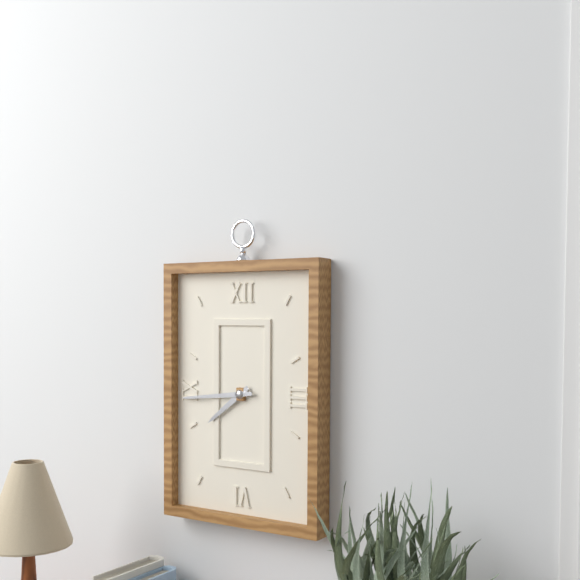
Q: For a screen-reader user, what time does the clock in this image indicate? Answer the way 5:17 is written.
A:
7:44
